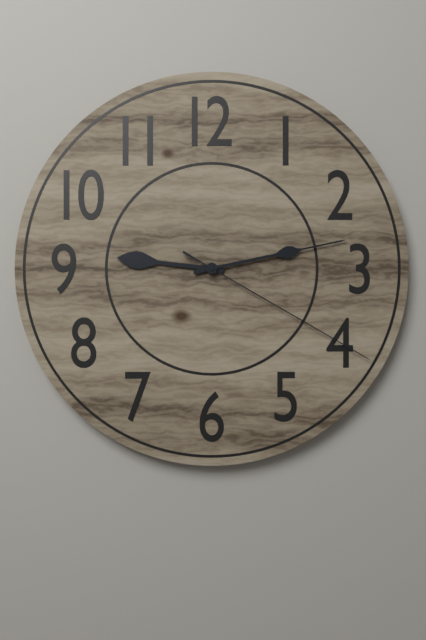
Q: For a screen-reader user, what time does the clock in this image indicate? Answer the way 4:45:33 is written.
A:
9:13:20
